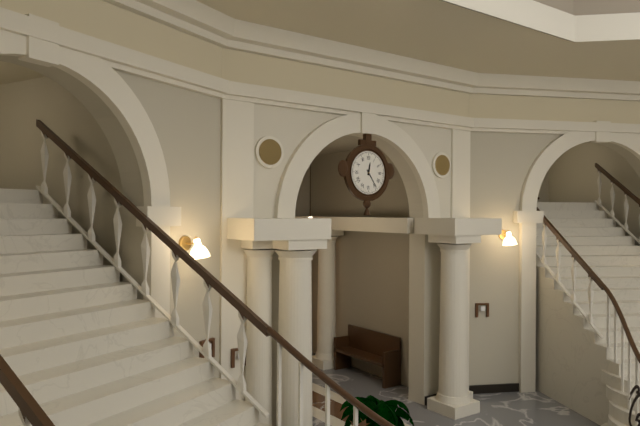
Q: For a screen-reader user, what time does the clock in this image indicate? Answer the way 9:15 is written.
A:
12:24
